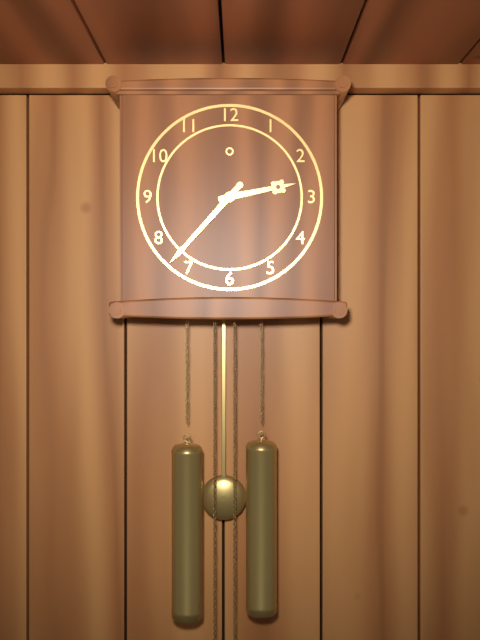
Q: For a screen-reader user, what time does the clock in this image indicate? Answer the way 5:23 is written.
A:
2:37
